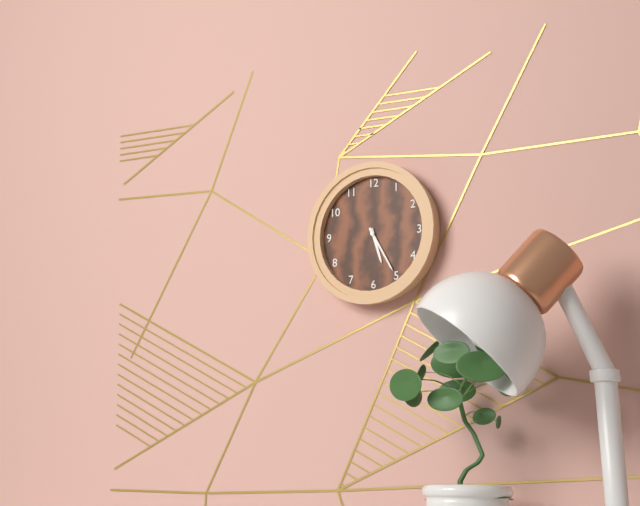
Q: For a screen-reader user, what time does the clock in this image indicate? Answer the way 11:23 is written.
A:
5:25
